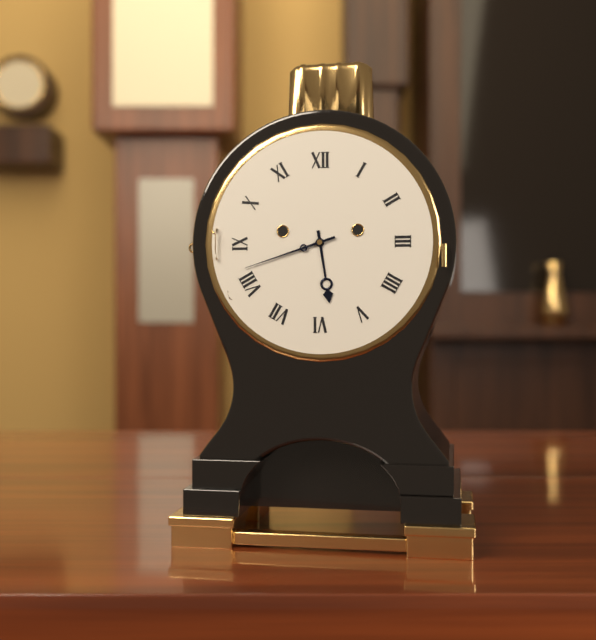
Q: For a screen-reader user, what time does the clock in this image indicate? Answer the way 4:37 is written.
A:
5:42
